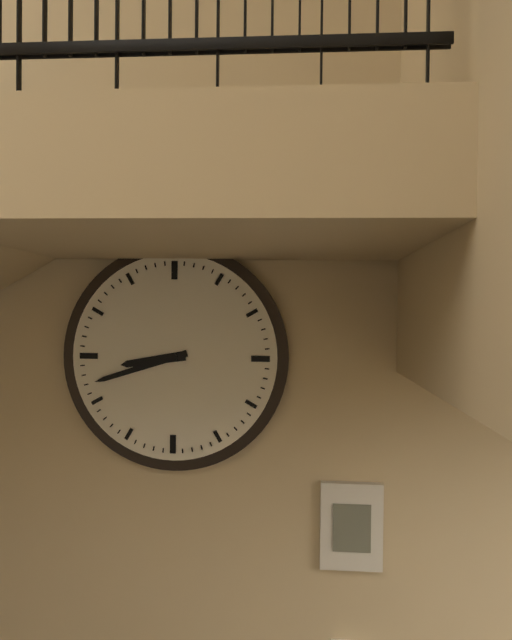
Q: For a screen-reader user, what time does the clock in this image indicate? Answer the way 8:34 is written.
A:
8:42
